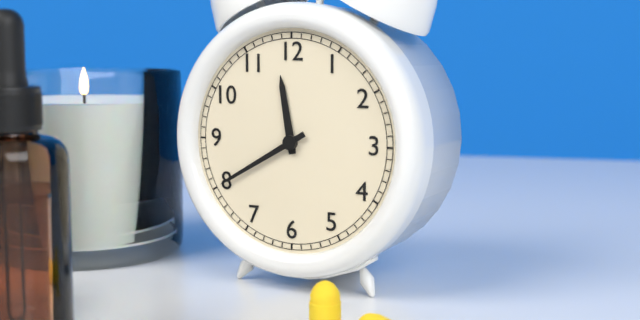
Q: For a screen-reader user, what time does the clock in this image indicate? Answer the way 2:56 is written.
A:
11:40
